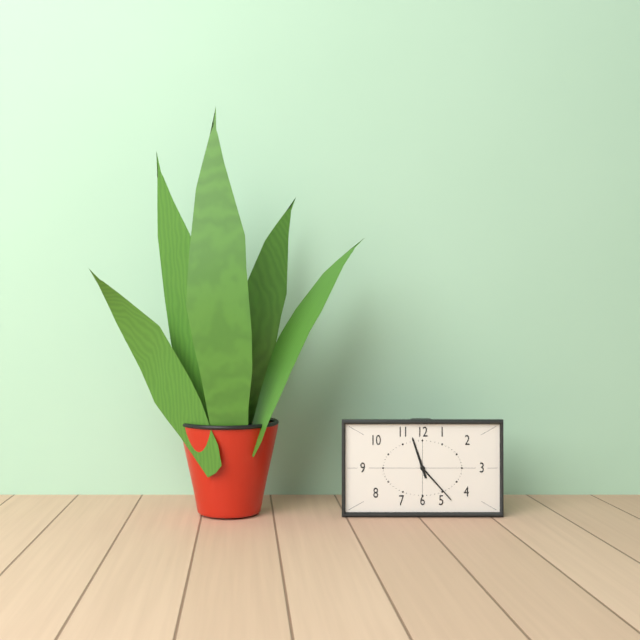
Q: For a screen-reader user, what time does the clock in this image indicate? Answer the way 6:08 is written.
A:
11:23
